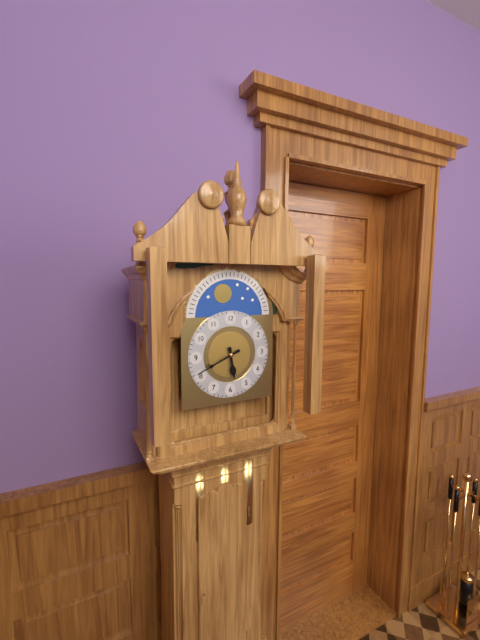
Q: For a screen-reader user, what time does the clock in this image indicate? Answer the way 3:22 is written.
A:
5:41
